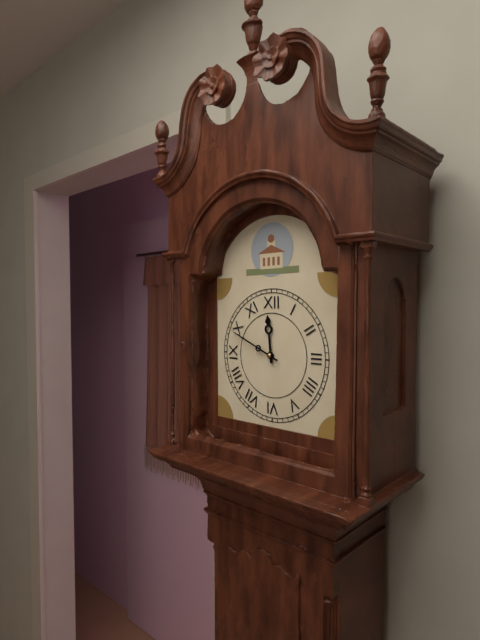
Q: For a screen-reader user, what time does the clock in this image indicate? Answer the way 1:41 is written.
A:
11:49
